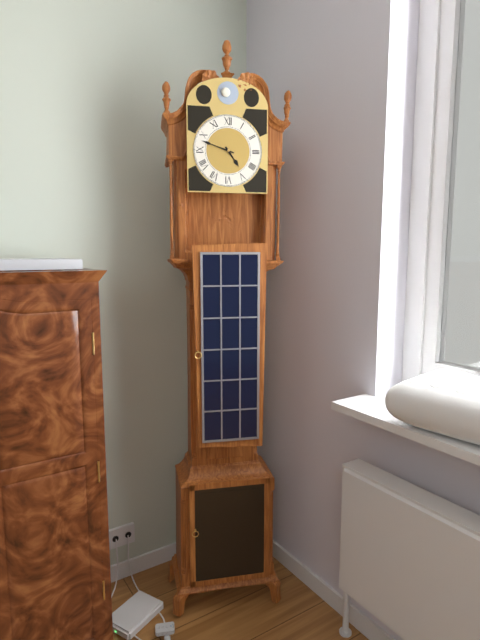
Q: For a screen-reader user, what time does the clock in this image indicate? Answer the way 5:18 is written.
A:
4:48
